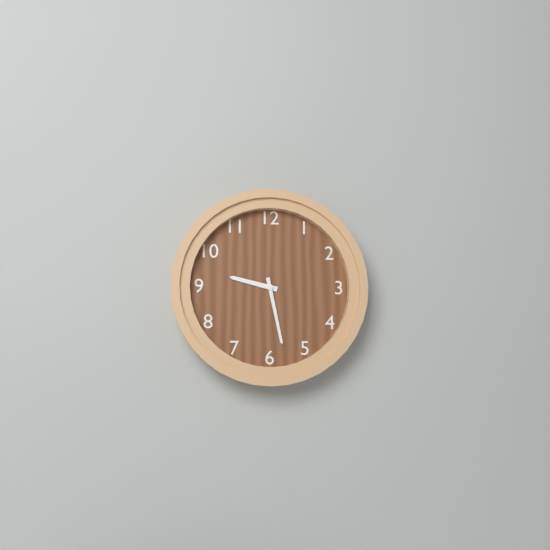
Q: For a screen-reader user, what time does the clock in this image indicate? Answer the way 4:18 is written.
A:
9:28
